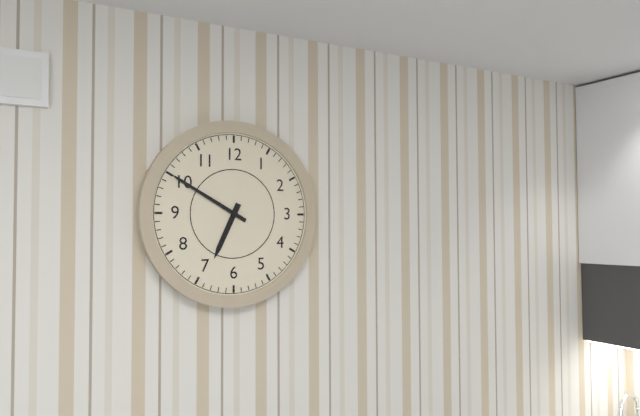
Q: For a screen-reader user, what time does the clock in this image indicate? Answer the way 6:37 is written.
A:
6:50
